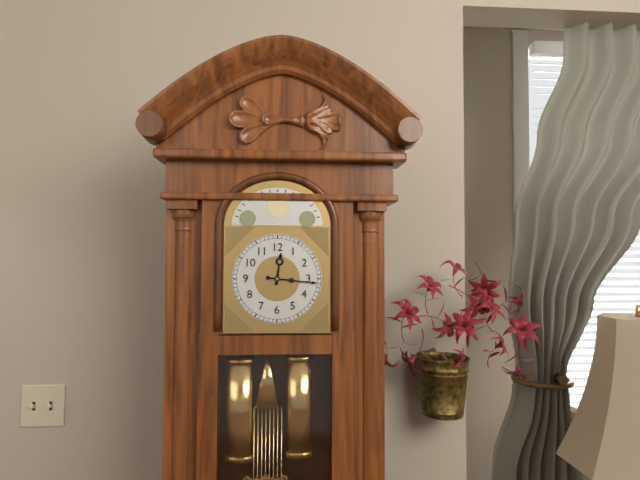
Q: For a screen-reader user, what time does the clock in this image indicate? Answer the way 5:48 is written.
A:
12:16
